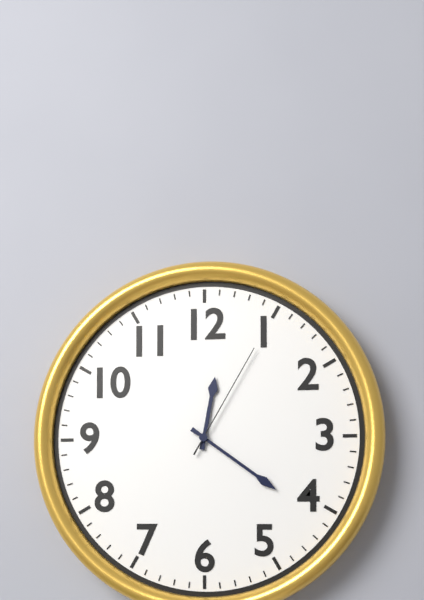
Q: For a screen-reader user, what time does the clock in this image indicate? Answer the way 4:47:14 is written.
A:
12:21:05
